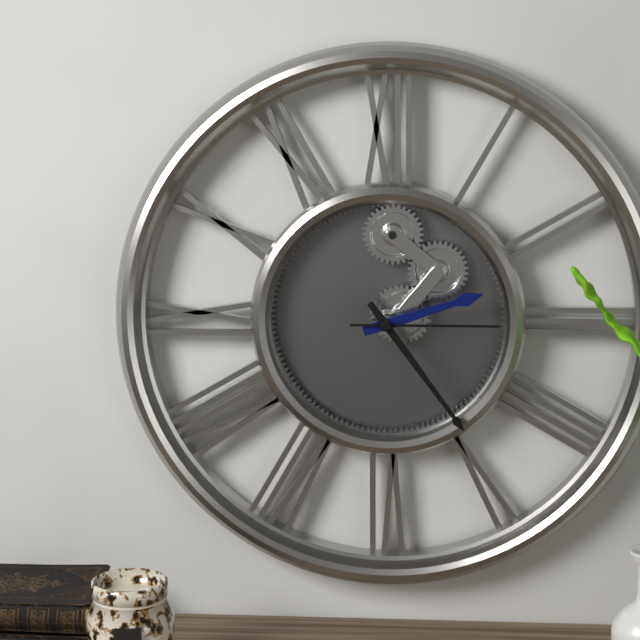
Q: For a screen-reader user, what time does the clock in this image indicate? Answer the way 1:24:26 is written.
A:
2:24:15
